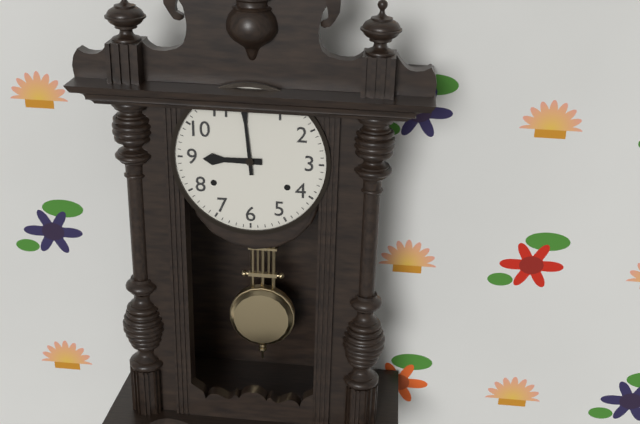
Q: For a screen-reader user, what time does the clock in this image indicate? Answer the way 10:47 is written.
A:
8:59
